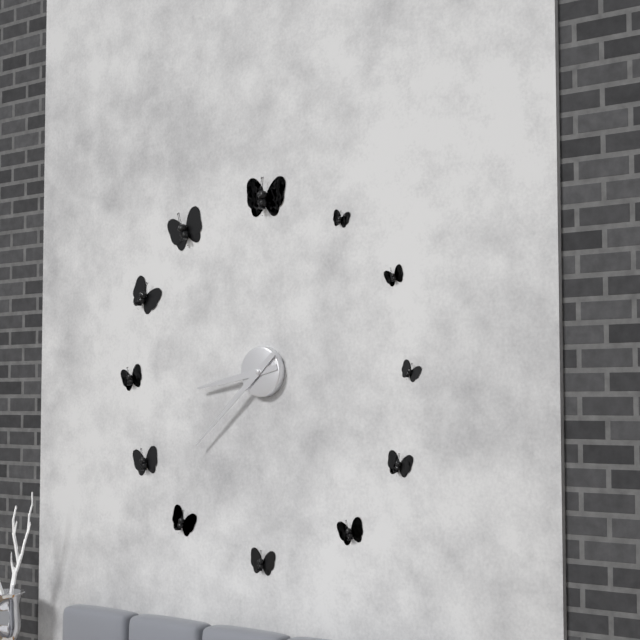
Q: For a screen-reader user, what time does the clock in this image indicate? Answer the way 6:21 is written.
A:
8:38
